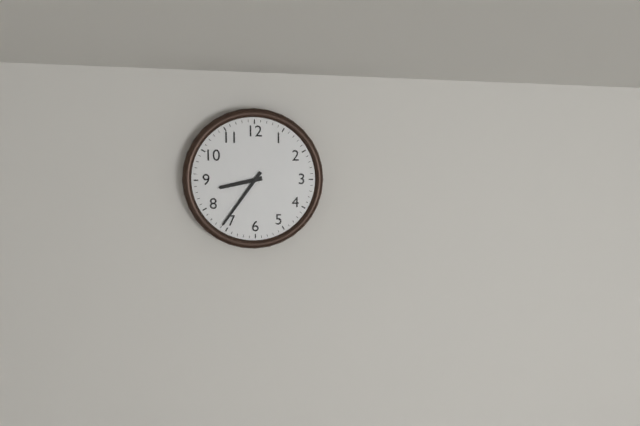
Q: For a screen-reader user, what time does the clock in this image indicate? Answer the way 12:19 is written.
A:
8:36
